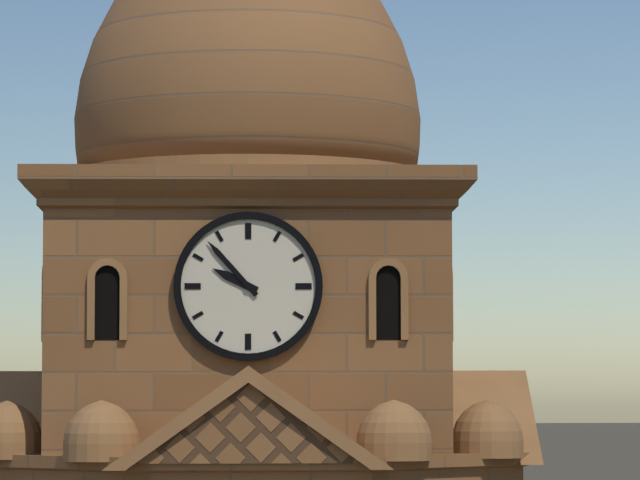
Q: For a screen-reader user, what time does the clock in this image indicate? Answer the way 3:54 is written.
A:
9:53
